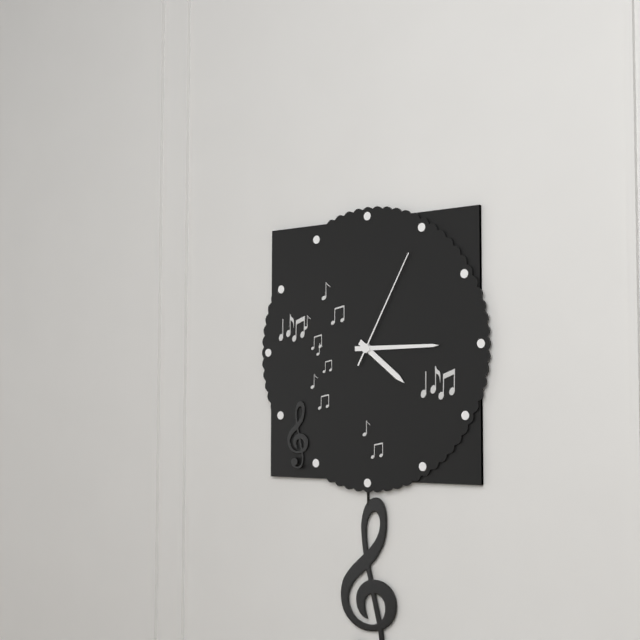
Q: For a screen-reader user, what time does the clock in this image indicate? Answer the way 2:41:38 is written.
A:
4:15:05
